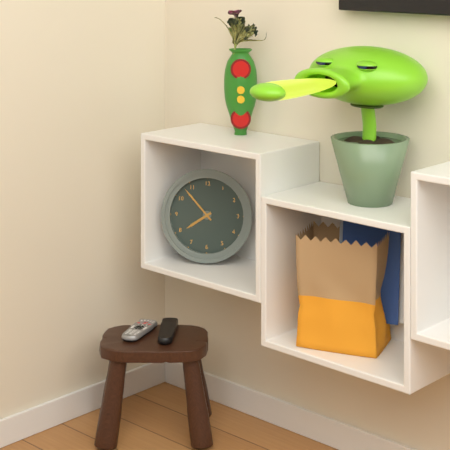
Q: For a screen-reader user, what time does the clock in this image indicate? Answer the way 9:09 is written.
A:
7:53
